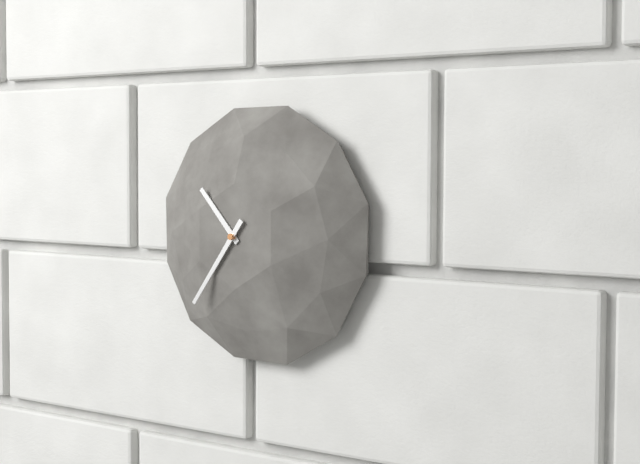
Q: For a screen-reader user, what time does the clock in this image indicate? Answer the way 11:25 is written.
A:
10:36
